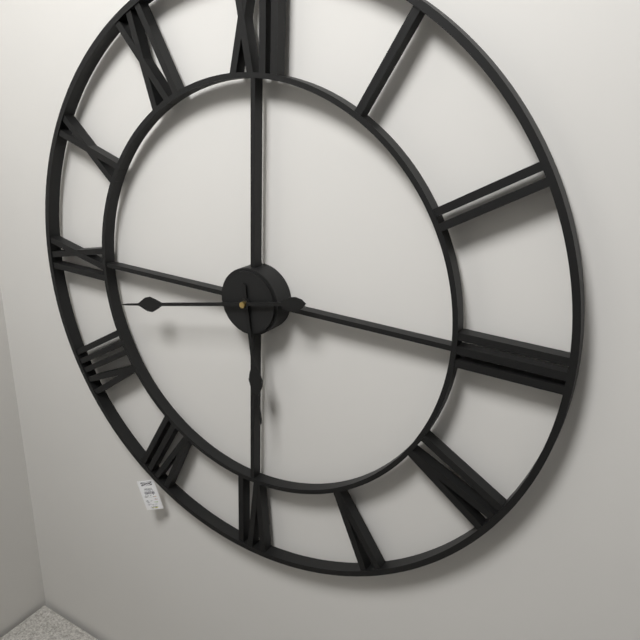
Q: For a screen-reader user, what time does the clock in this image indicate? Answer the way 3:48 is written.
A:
5:43
